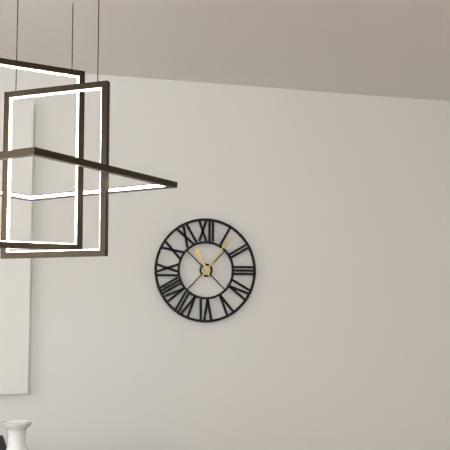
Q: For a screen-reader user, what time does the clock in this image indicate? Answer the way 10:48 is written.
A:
11:06
